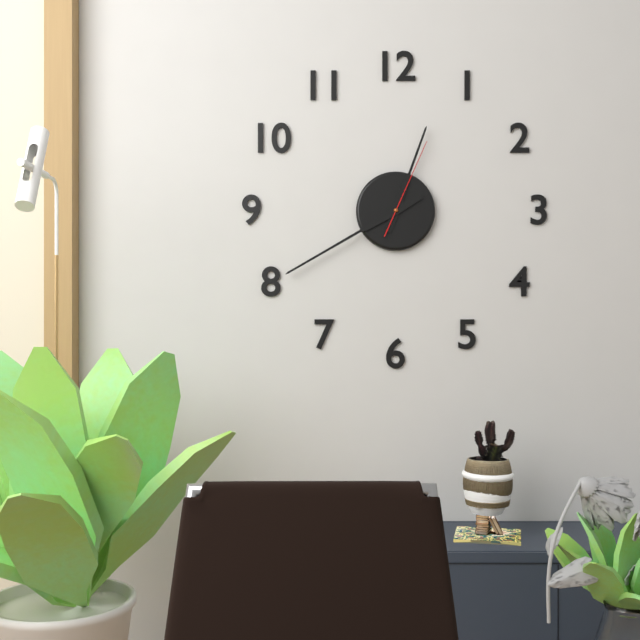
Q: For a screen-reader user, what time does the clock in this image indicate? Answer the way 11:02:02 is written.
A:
12:40:04
